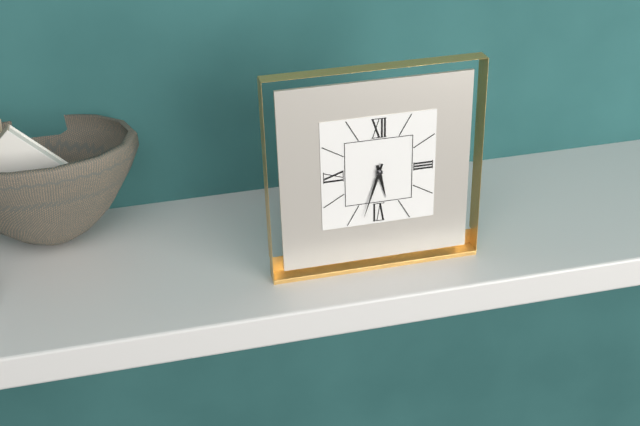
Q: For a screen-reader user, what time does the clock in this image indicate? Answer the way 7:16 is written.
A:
5:33
